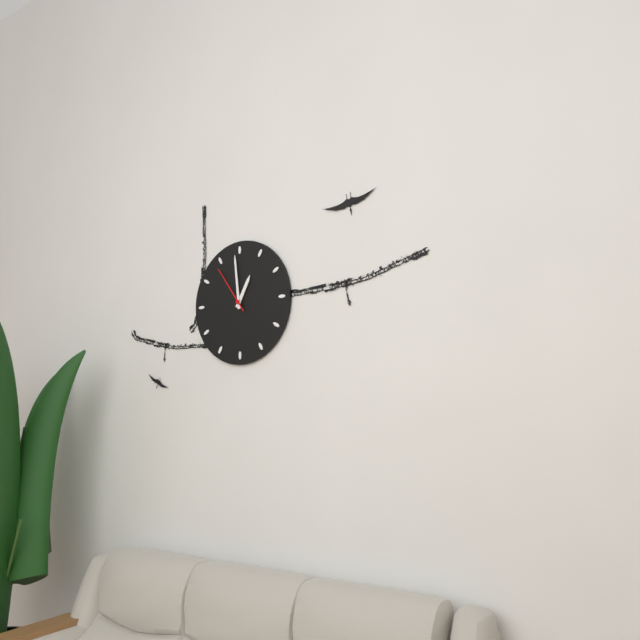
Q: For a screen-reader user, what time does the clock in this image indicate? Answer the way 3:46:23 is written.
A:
12:59:54
